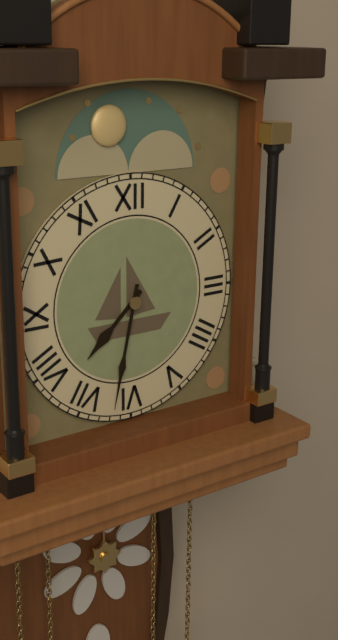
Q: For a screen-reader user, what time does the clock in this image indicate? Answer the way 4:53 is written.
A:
7:32
